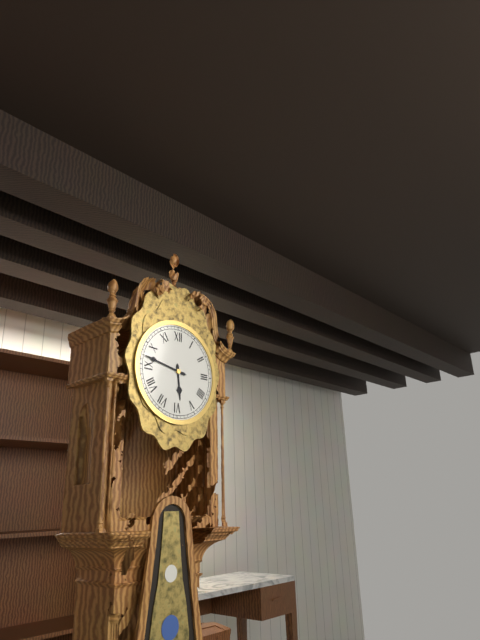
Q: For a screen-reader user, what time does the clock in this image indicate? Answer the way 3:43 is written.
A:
5:47
